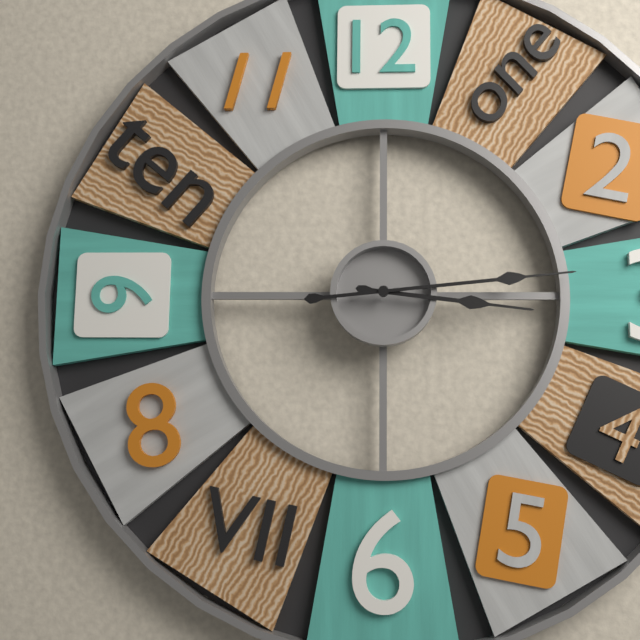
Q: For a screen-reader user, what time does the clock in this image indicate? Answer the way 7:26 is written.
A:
3:14
